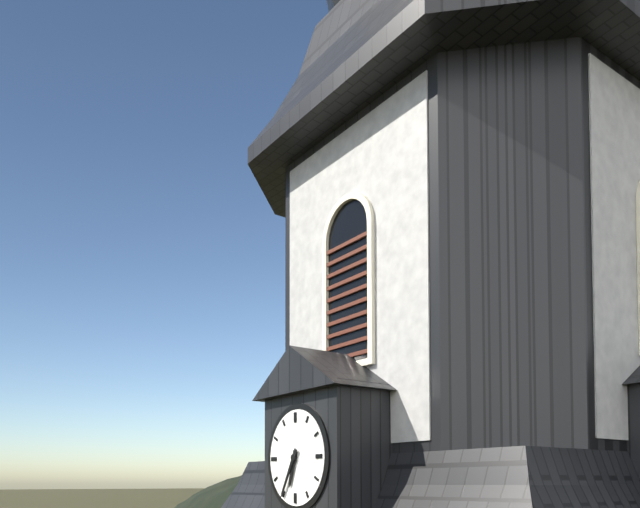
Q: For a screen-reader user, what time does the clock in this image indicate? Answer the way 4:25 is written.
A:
6:35
